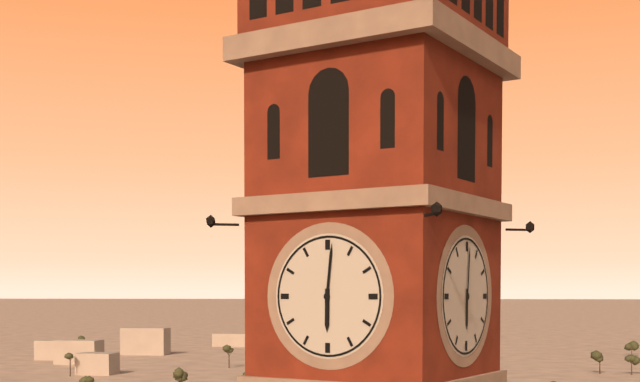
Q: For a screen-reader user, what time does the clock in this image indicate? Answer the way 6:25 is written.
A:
6:01
